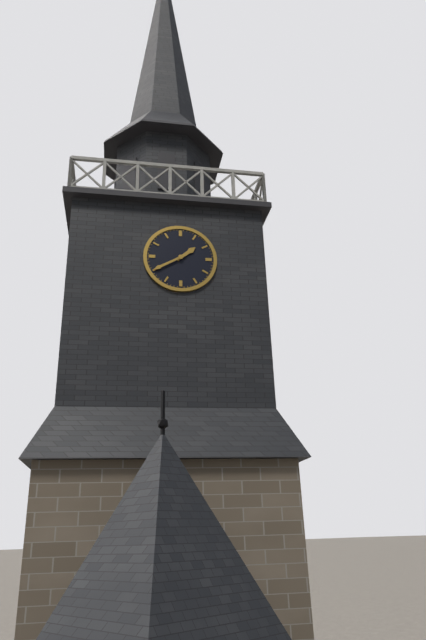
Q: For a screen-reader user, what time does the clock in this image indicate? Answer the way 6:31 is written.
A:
1:40
